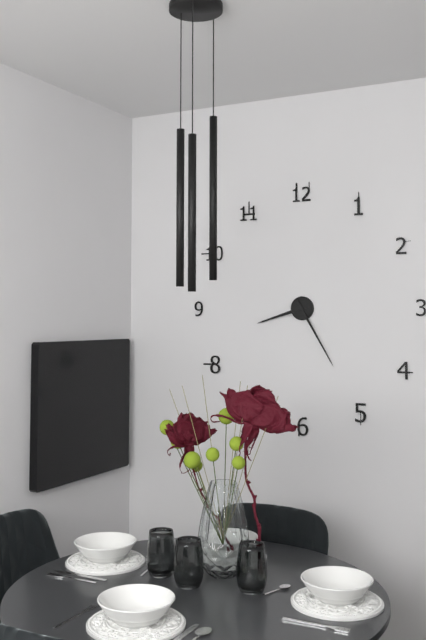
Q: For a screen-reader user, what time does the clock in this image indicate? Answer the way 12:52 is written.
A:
8:25
